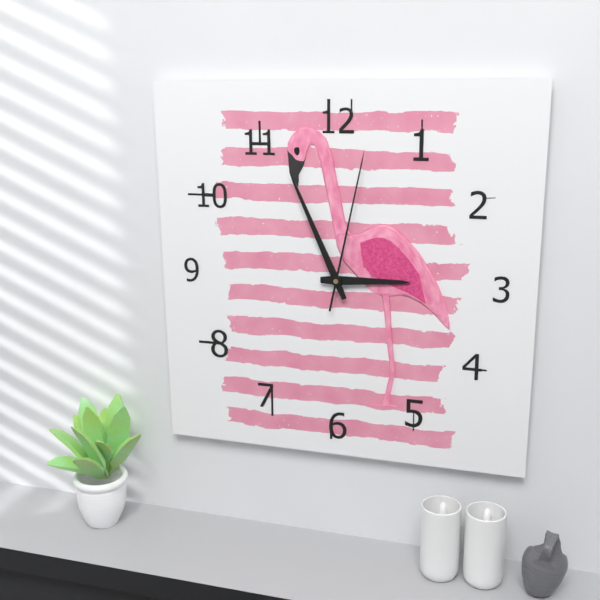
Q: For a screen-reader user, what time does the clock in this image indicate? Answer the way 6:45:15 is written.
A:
2:56:02
